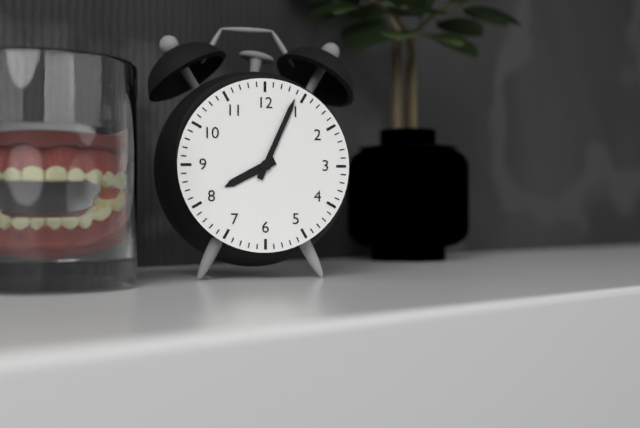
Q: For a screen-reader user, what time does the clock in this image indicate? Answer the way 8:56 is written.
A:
8:04
